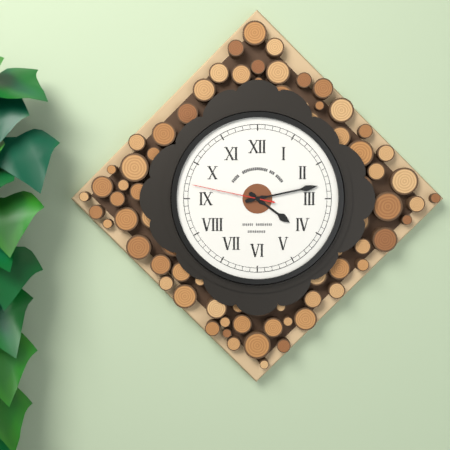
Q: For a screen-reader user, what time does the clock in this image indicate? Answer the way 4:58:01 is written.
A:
4:13:47
